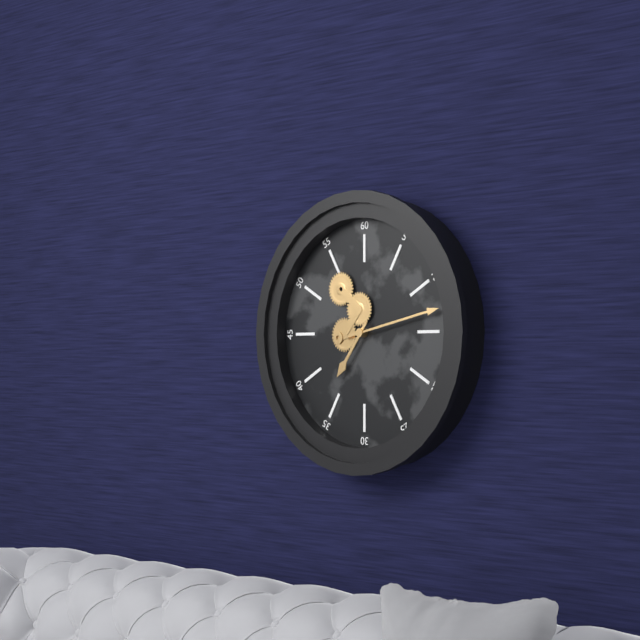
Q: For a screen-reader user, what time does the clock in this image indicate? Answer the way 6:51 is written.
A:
7:13
